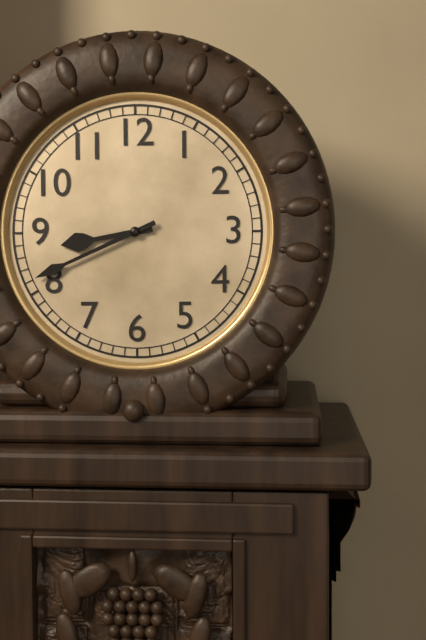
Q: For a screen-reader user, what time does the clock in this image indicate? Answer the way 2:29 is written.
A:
8:41
